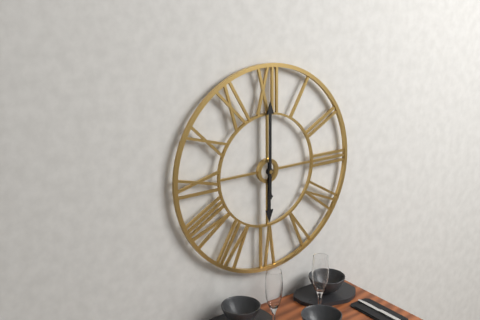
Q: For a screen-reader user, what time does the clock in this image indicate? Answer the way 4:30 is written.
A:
6:00
